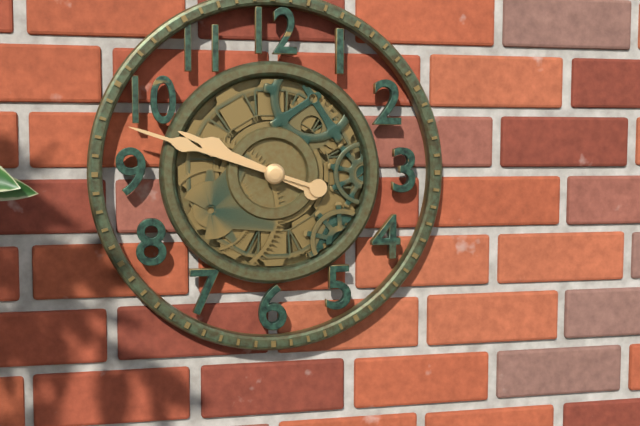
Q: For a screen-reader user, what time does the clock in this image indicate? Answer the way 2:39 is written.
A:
9:48
